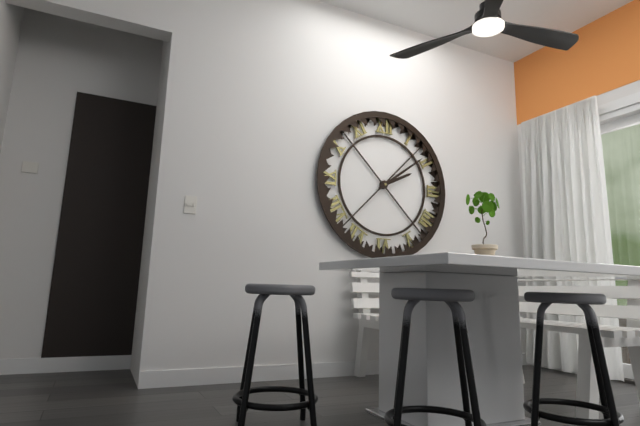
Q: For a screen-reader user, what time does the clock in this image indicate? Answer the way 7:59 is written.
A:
2:09
